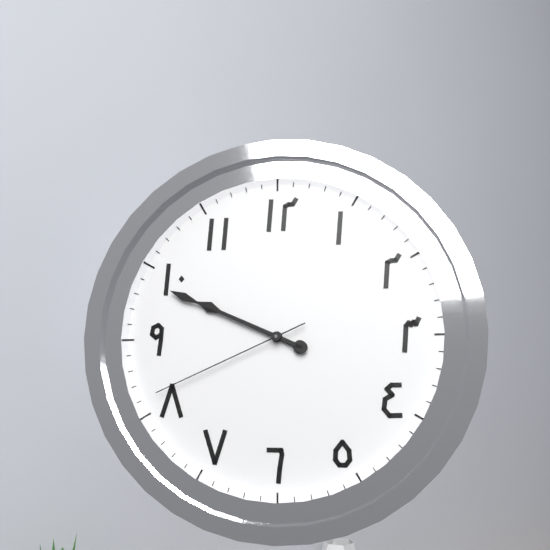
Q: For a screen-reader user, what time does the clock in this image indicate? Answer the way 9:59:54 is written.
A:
9:49:41
